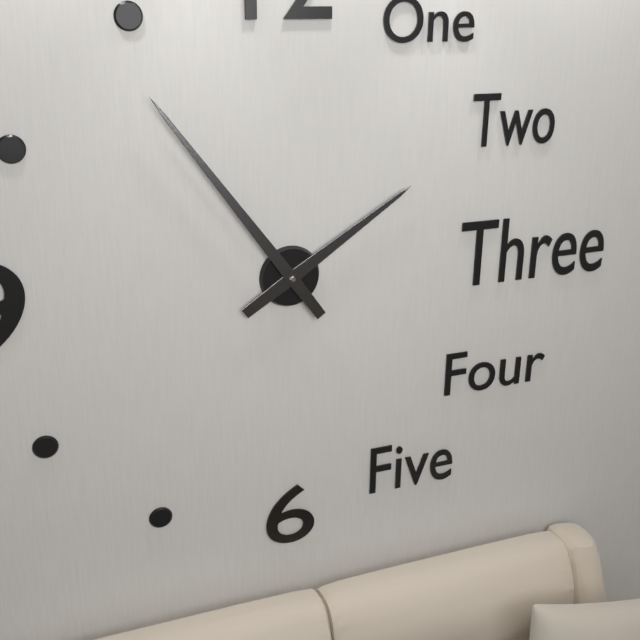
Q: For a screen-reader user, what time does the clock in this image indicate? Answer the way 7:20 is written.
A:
1:54
